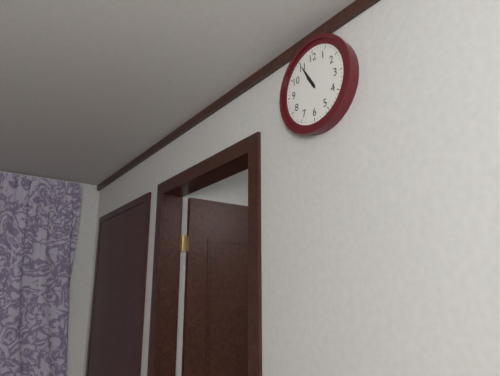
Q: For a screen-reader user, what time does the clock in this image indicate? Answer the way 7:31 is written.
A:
10:55
